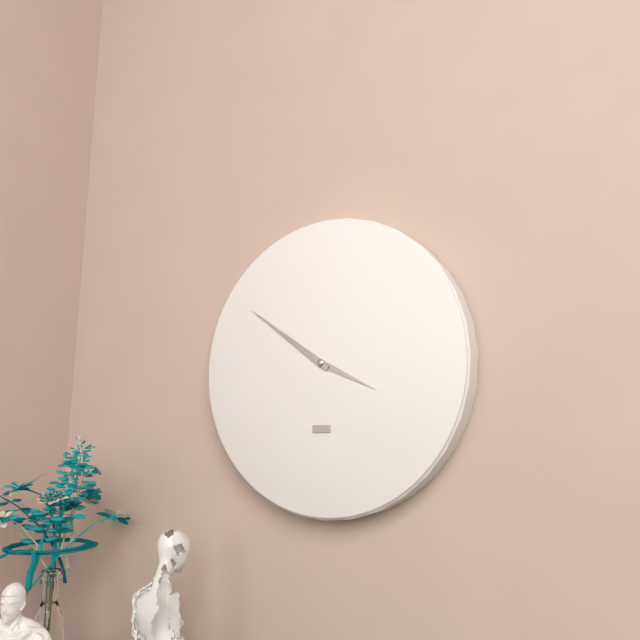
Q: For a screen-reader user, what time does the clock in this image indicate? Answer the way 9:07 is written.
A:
3:51
